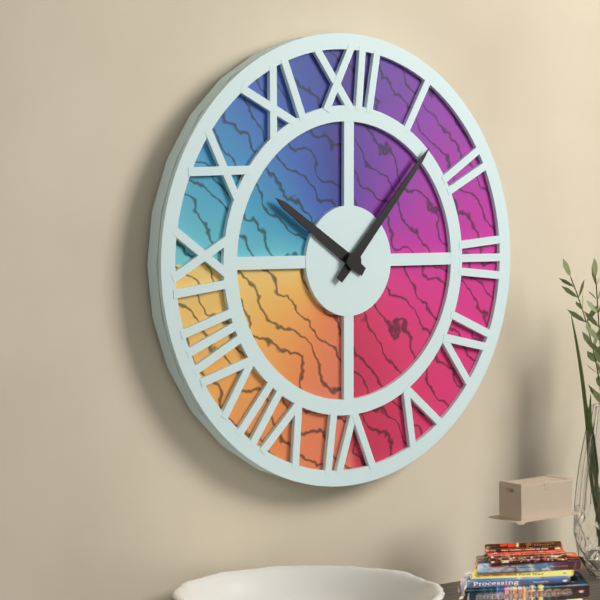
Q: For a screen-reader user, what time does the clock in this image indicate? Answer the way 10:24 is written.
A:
10:07
